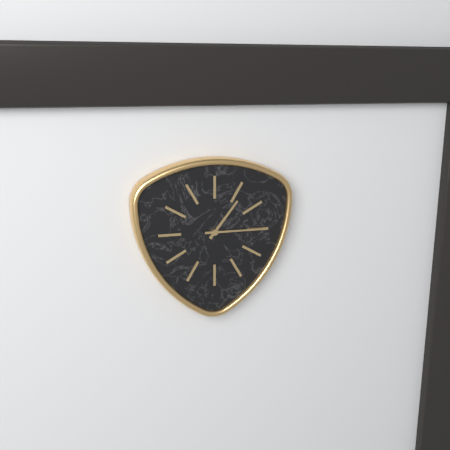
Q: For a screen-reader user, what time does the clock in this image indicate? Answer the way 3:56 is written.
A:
1:15
